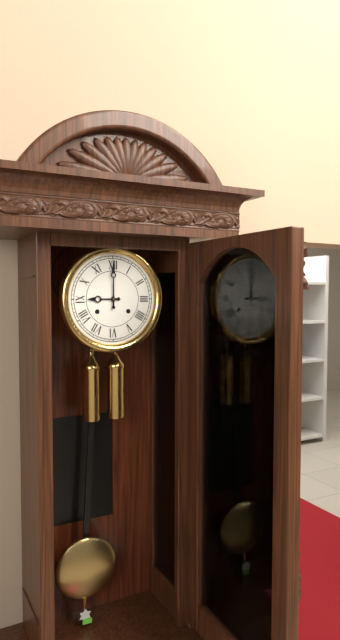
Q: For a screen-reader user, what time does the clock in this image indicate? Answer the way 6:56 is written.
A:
9:00
